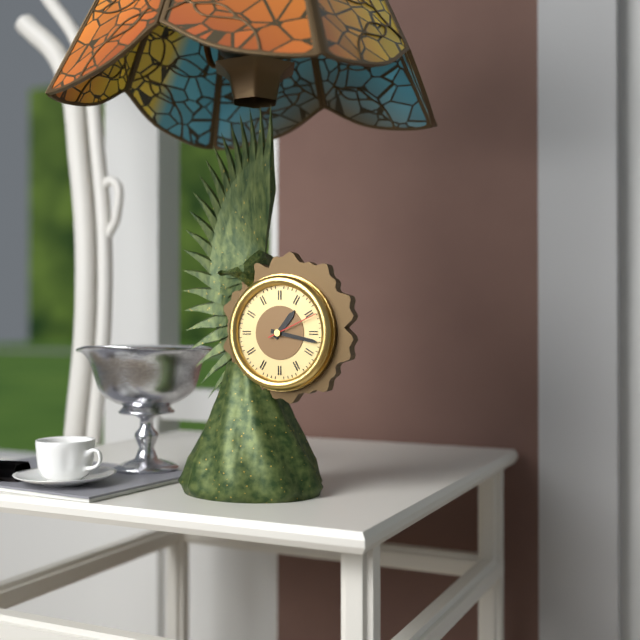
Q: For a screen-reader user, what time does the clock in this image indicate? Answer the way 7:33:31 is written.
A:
1:17:11
